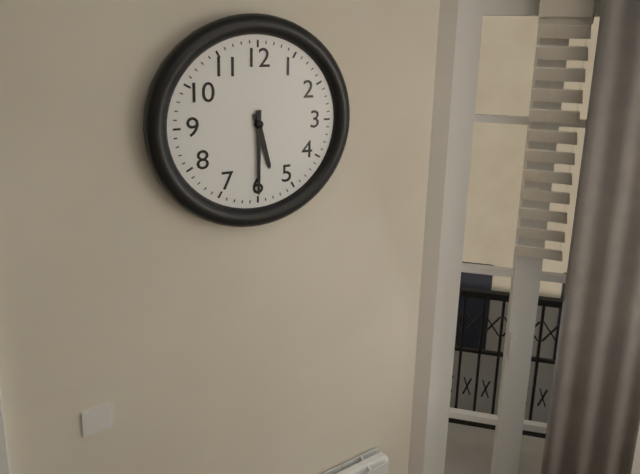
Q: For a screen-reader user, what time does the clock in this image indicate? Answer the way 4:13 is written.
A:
5:30
